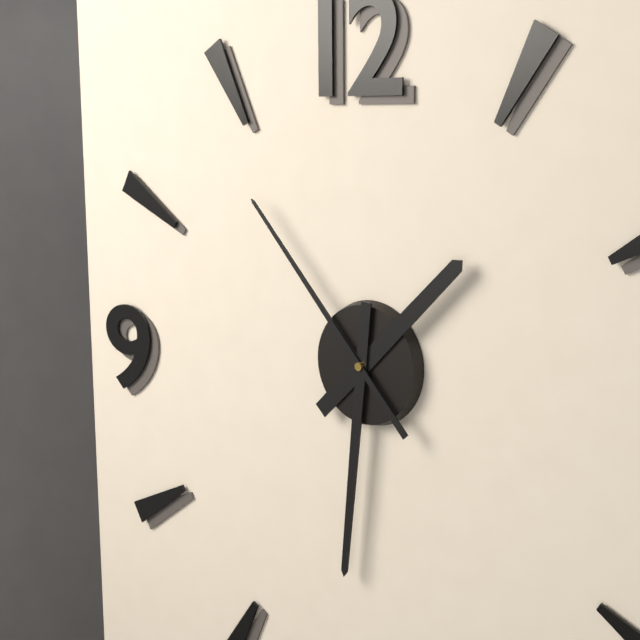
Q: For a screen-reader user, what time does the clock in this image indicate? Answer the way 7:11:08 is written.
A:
1:31:53
